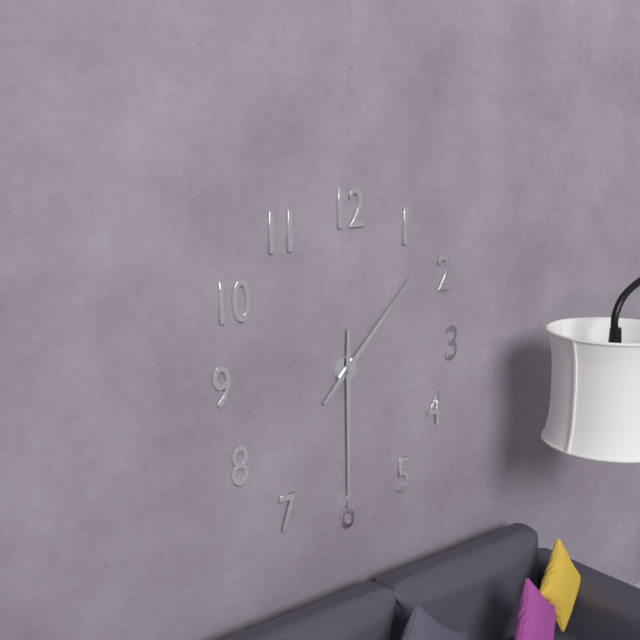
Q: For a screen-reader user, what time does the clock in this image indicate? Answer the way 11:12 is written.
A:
1:30
